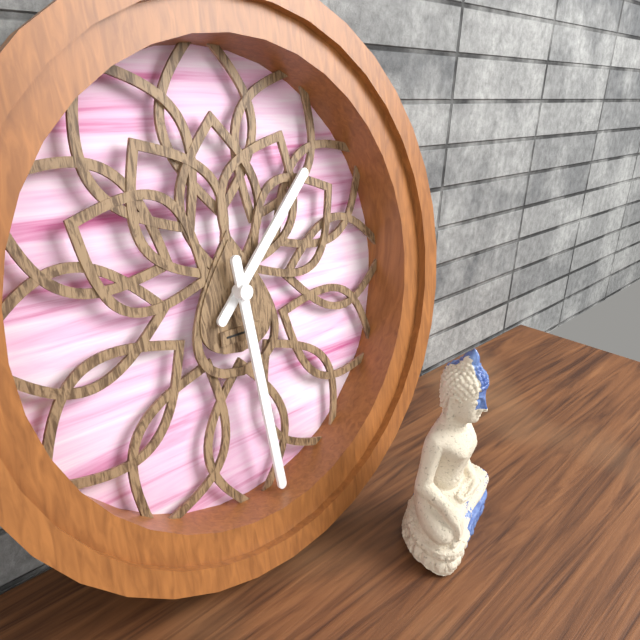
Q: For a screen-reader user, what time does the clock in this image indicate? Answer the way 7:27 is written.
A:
1:29
